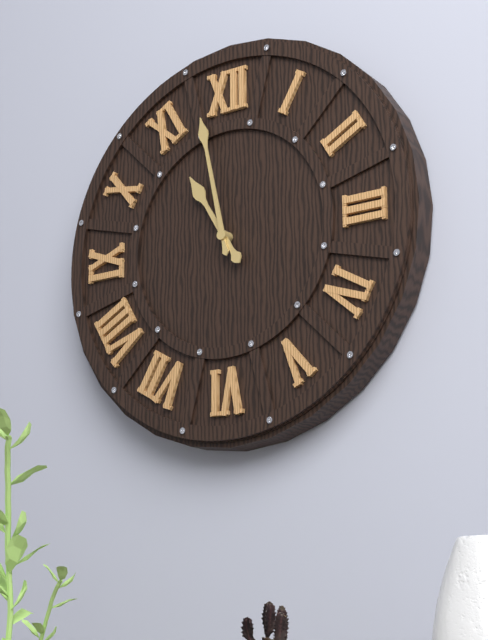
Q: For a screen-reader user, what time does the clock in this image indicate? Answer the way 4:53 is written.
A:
10:58
